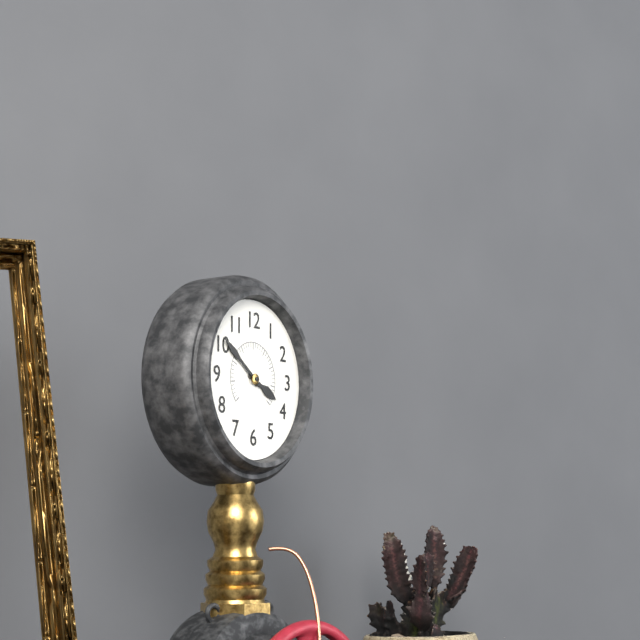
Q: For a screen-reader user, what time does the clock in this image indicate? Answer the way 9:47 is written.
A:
3:51
